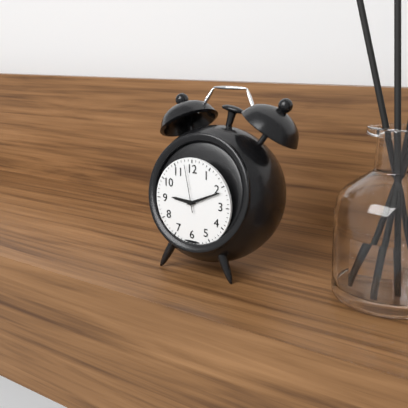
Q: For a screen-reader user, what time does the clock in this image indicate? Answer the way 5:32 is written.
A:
9:11
